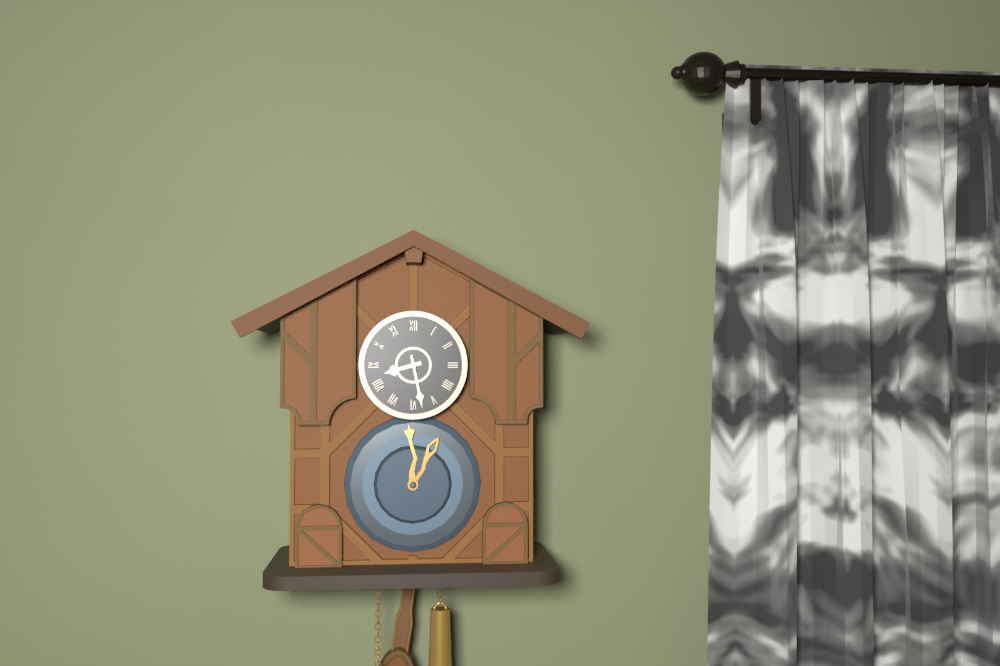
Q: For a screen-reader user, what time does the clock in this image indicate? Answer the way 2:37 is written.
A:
8:28
